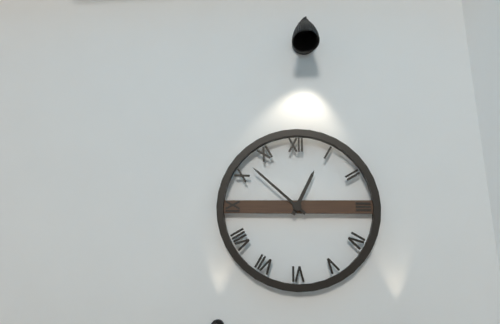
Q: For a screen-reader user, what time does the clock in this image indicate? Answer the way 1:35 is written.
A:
12:52
